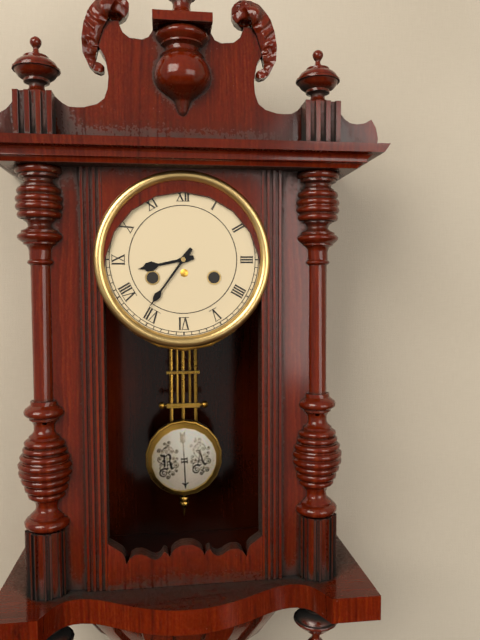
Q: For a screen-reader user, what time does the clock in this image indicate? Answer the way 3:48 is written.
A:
8:36
